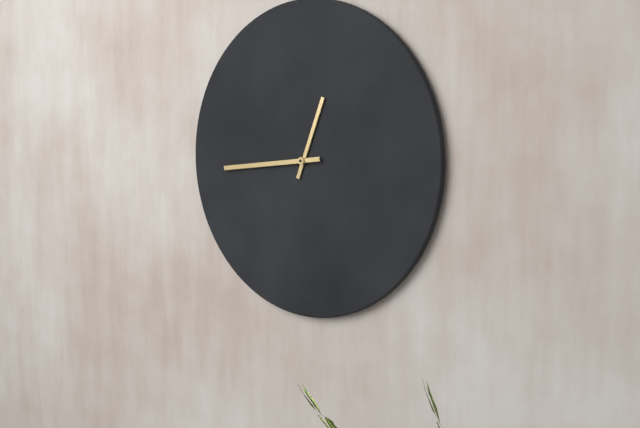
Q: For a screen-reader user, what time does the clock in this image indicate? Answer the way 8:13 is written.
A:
12:44
